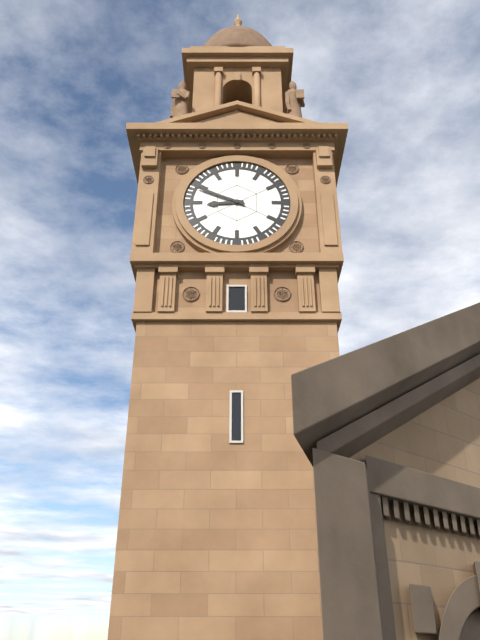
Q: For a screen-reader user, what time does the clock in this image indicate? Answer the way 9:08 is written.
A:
8:49
